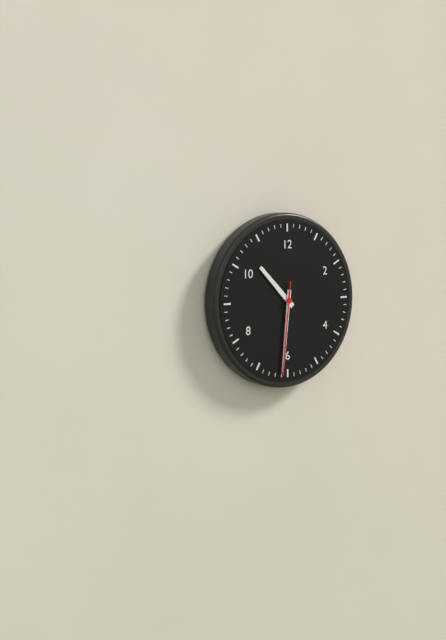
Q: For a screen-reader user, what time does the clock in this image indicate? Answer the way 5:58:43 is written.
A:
10:31:31
